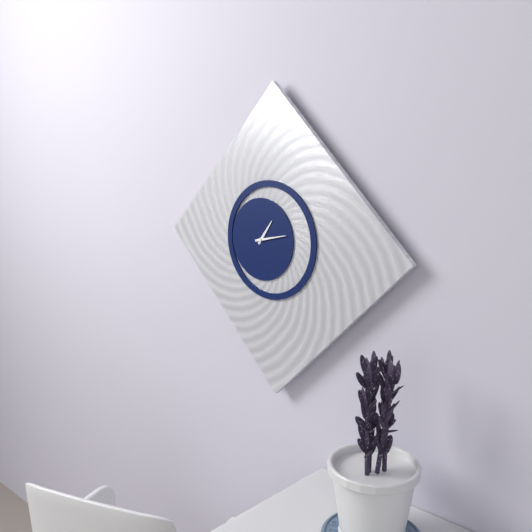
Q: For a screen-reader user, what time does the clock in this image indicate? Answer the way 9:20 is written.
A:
1:13
